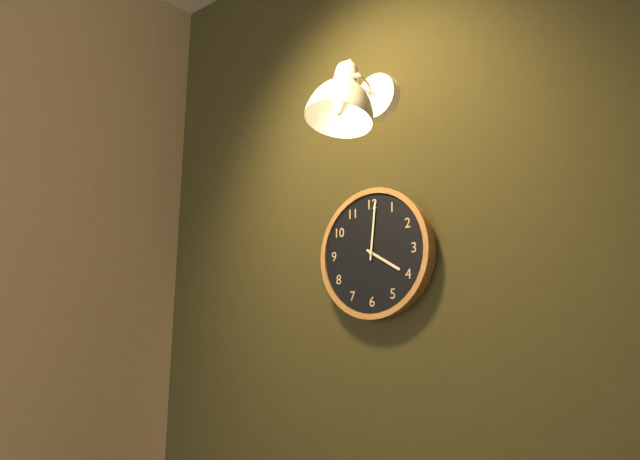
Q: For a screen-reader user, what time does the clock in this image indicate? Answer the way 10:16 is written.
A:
4:01
